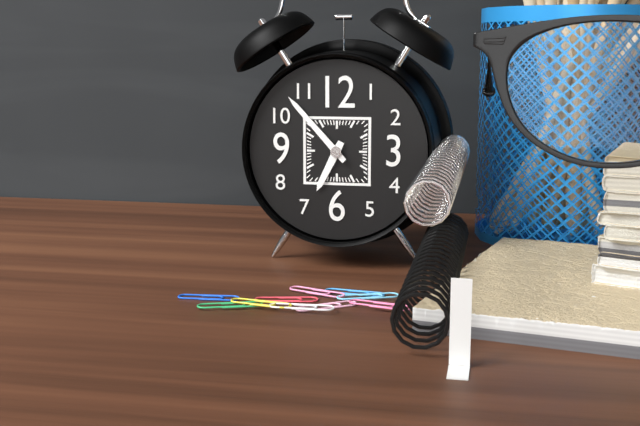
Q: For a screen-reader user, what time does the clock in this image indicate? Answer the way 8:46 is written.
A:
6:53
